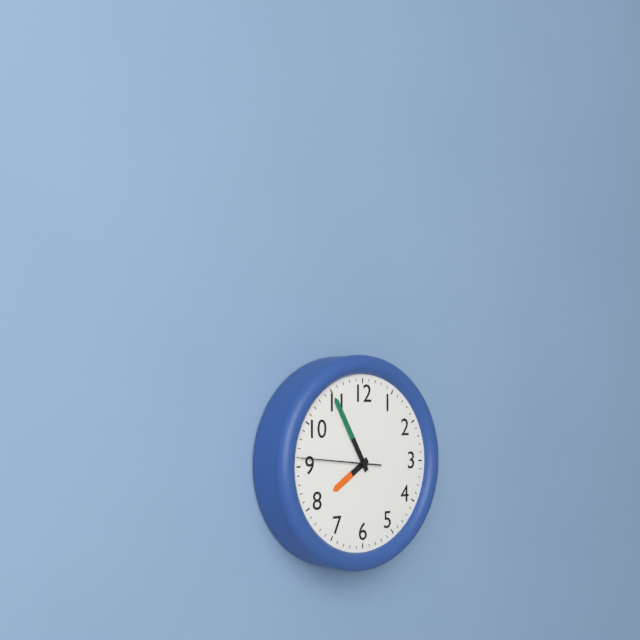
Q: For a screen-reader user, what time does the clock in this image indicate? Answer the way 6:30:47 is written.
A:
7:55:46
